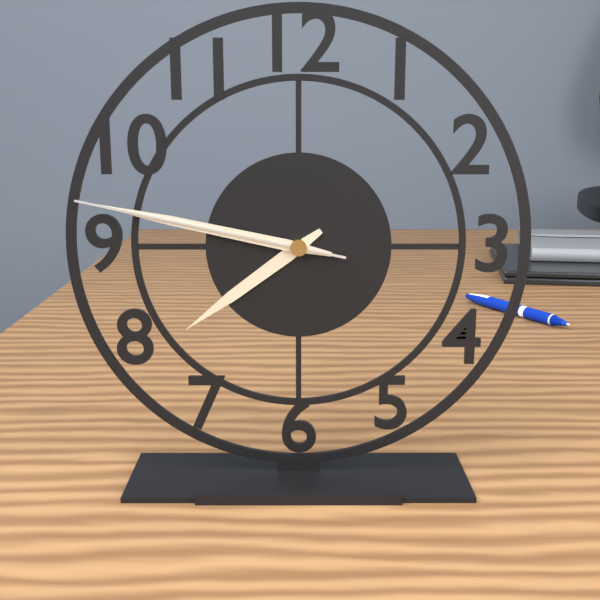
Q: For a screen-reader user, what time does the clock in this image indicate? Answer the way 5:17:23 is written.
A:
7:47:47
